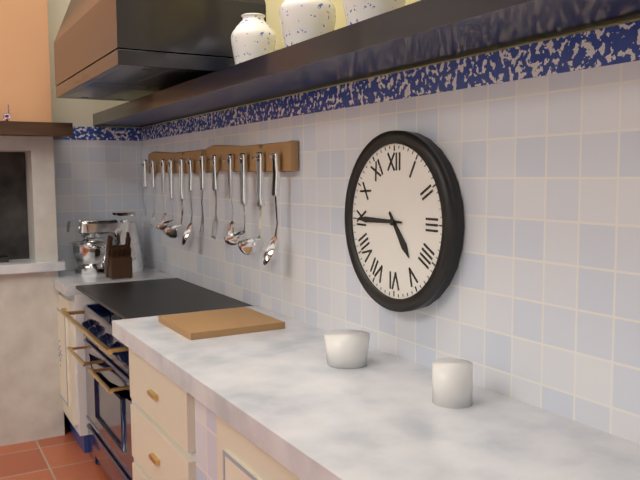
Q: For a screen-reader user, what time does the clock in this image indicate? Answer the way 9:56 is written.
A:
4:45
